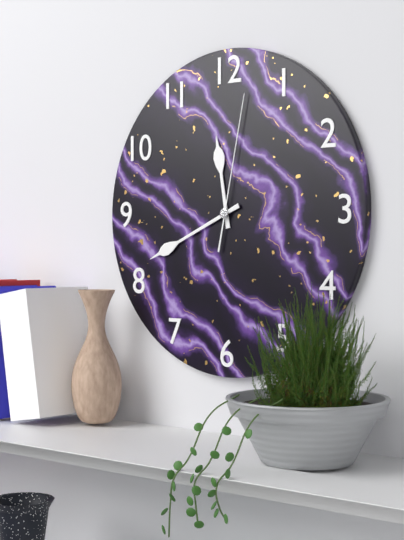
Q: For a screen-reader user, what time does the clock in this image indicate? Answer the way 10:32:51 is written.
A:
11:41:02
